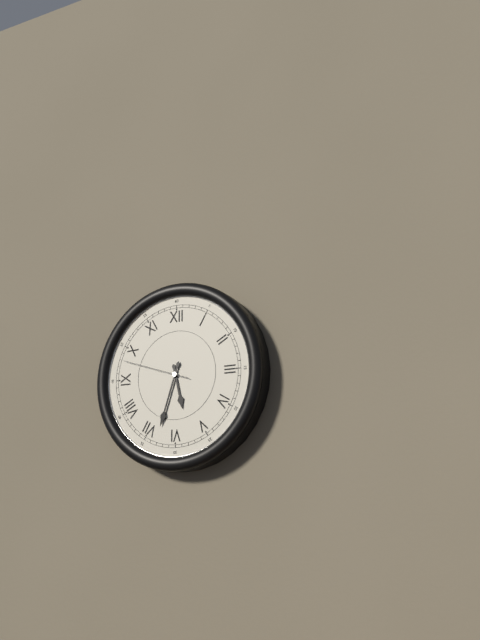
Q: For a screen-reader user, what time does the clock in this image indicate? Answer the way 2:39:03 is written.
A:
5:33:48
